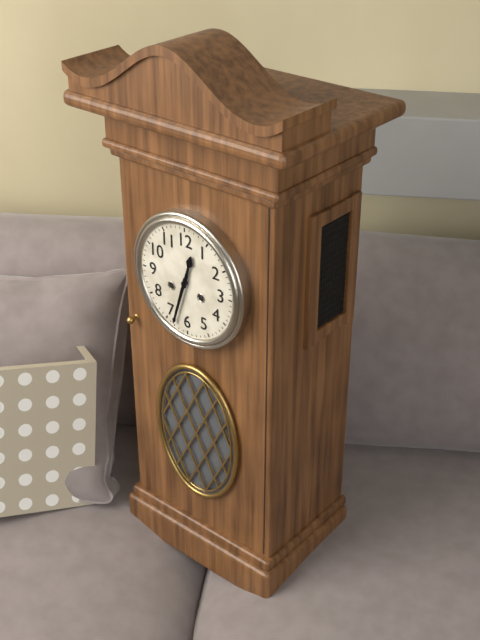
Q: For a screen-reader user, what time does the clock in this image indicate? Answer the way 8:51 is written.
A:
12:33
